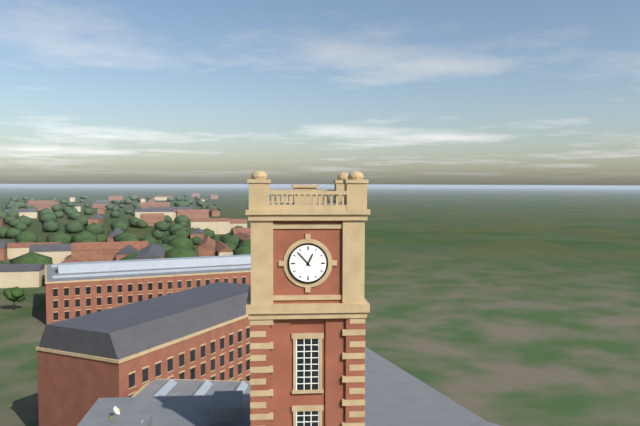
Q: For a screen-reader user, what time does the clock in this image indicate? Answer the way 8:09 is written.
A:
12:53
